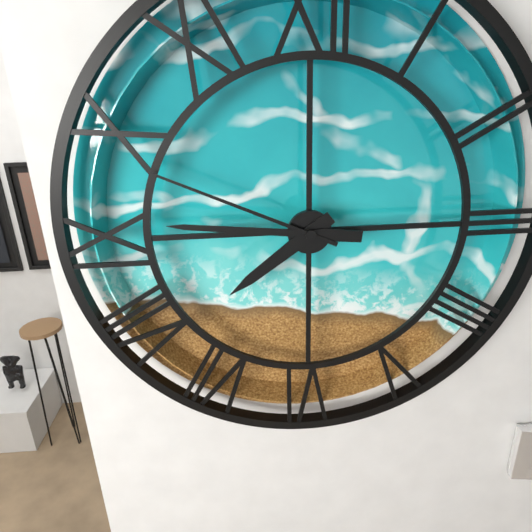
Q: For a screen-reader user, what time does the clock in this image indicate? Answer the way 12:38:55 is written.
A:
7:46:49
